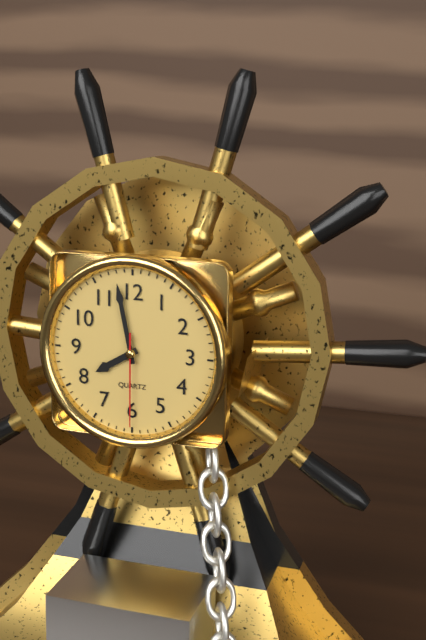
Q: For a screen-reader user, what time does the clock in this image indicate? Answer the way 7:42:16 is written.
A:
7:58:30
